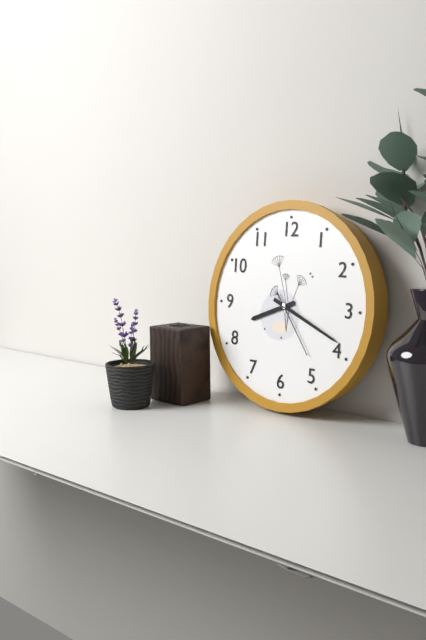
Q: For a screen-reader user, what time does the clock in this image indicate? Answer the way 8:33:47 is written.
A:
8:19:24
